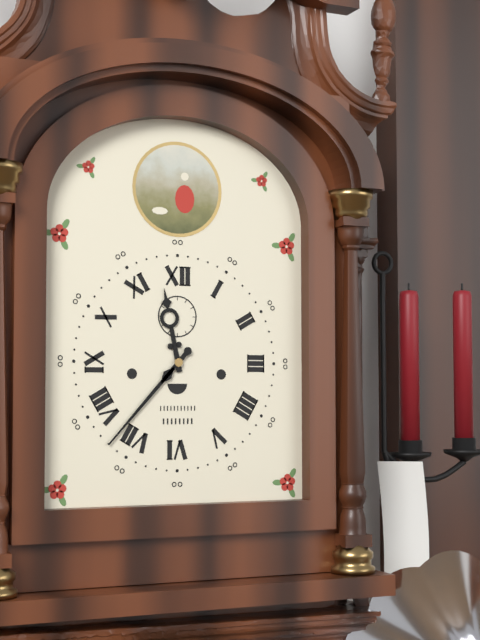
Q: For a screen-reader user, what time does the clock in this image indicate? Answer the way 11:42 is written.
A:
11:37
